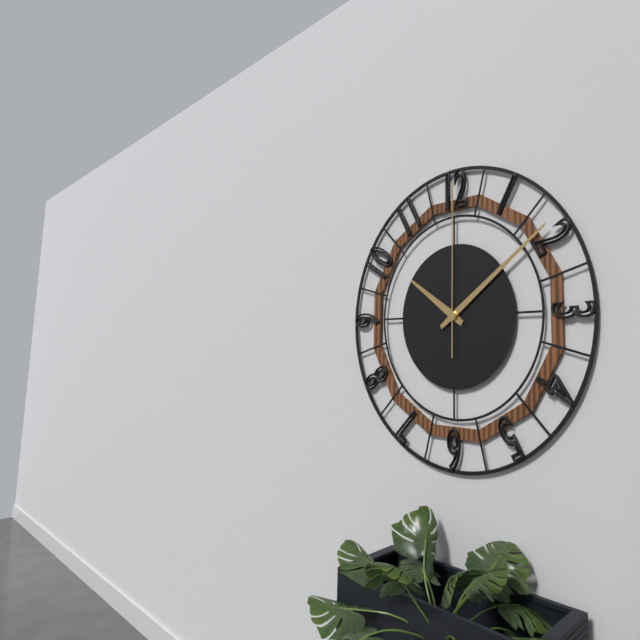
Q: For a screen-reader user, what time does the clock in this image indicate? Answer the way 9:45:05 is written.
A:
10:09:00
